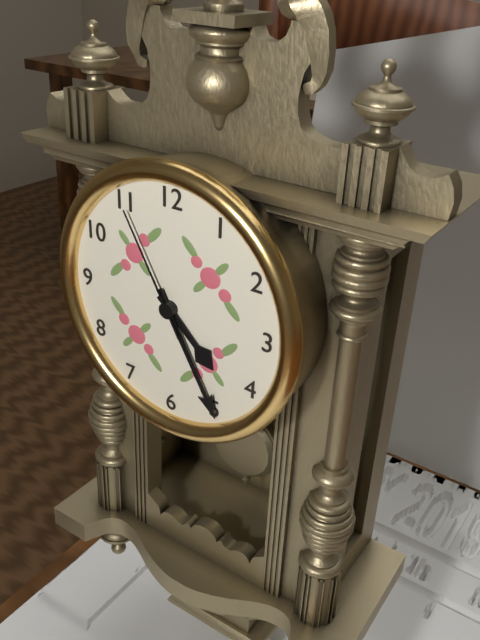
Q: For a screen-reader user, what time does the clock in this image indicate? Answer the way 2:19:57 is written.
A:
4:25:55
